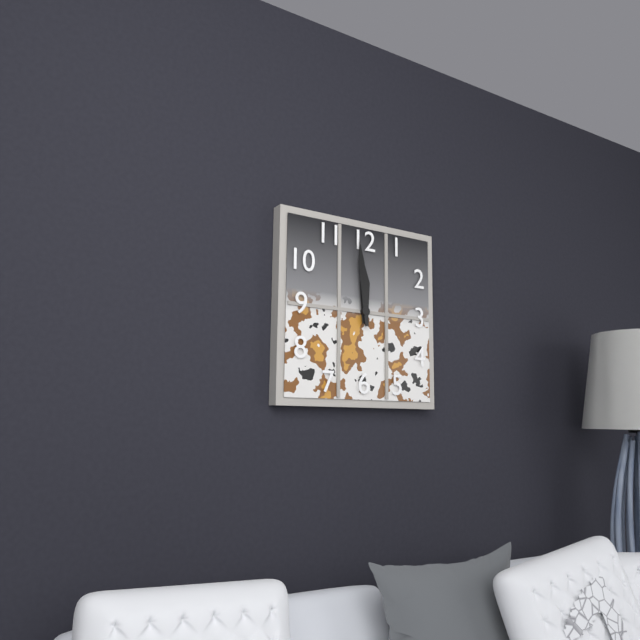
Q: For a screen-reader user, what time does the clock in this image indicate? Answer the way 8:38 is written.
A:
11:59
